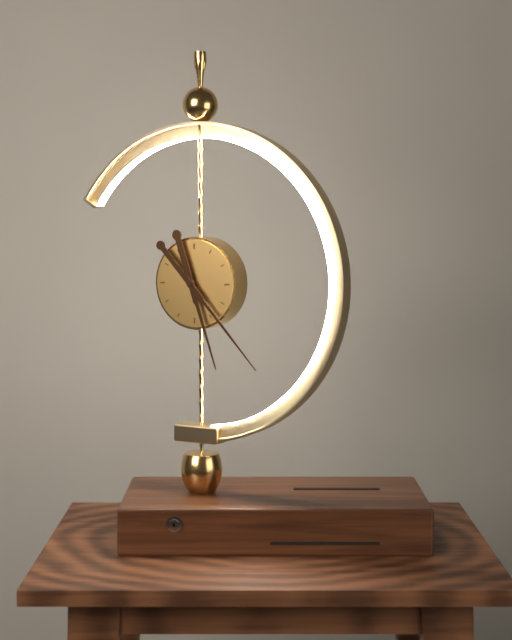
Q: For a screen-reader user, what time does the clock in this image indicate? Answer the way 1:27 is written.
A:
5:23
